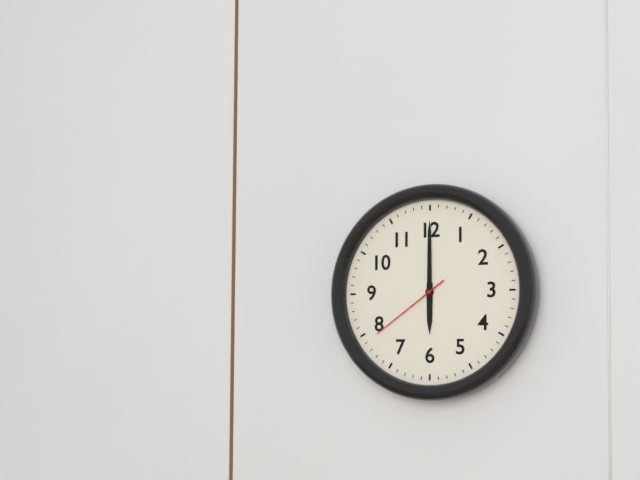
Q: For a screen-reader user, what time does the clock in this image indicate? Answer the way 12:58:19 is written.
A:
6:00:39
